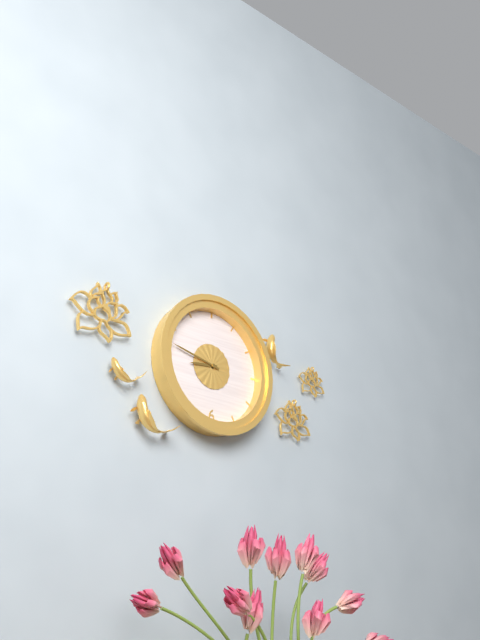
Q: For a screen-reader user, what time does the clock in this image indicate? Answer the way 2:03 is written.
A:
8:47
